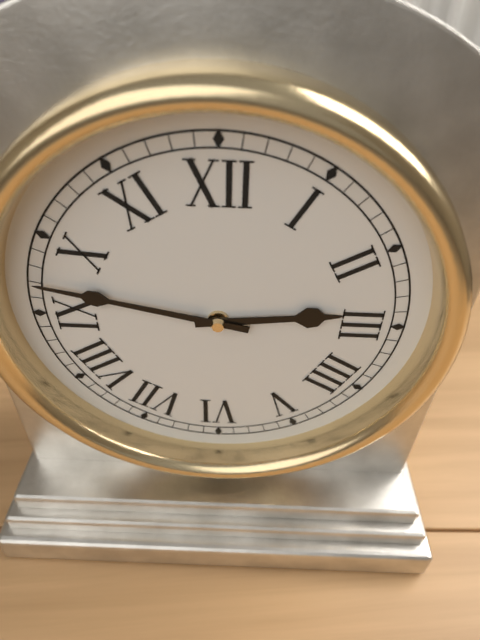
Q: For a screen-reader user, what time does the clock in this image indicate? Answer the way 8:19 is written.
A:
2:47
